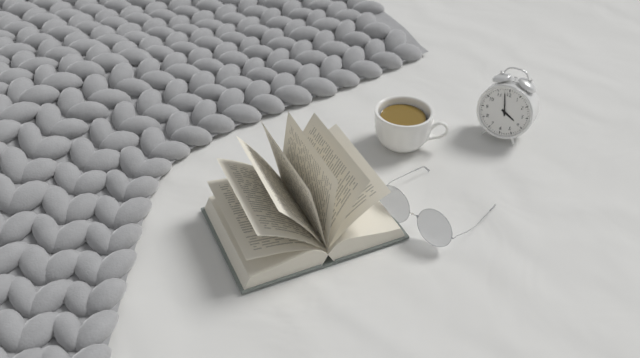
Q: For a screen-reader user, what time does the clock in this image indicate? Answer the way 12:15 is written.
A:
3:58
